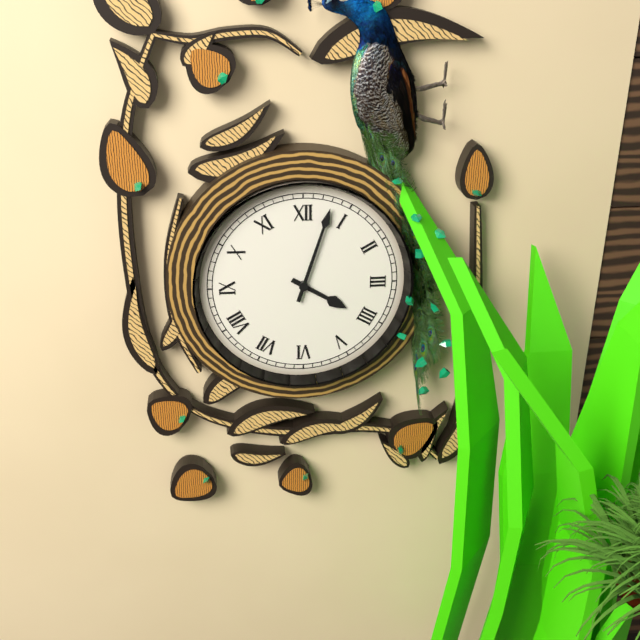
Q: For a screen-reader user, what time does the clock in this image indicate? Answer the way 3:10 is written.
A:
4:03
